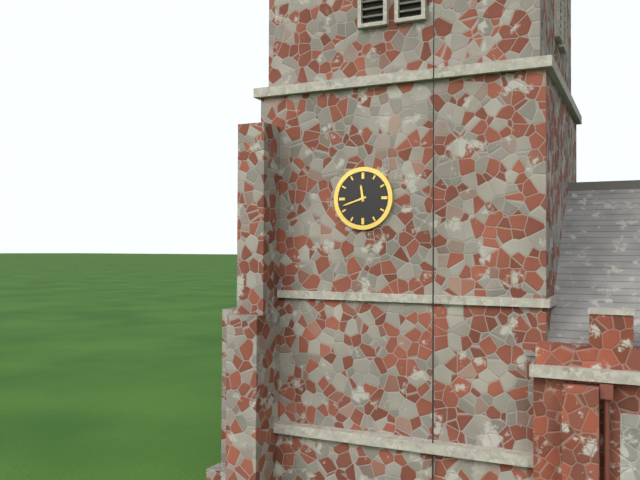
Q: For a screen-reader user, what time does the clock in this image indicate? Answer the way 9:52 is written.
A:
11:42
